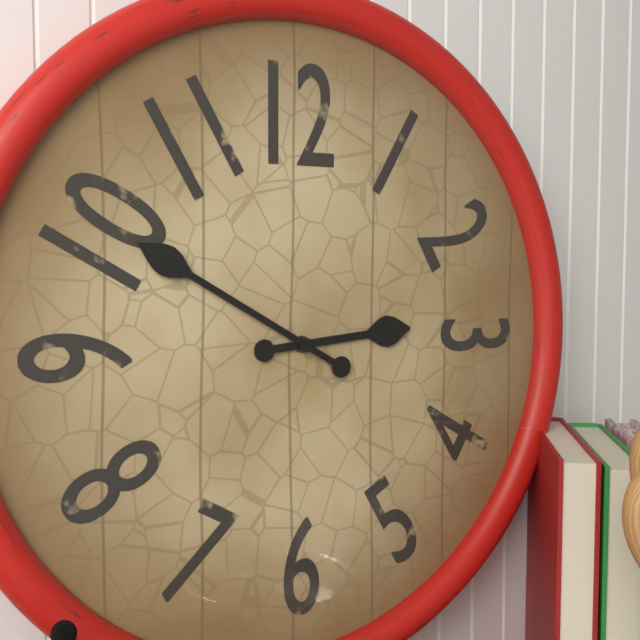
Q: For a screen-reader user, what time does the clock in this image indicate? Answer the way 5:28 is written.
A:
2:50
